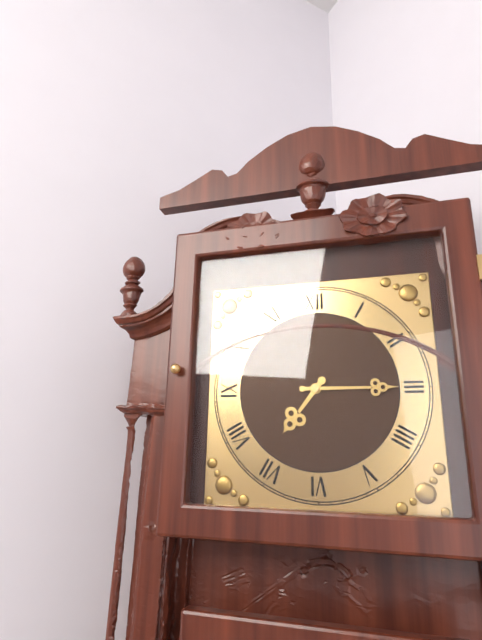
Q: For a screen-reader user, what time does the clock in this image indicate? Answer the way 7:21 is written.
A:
7:15
